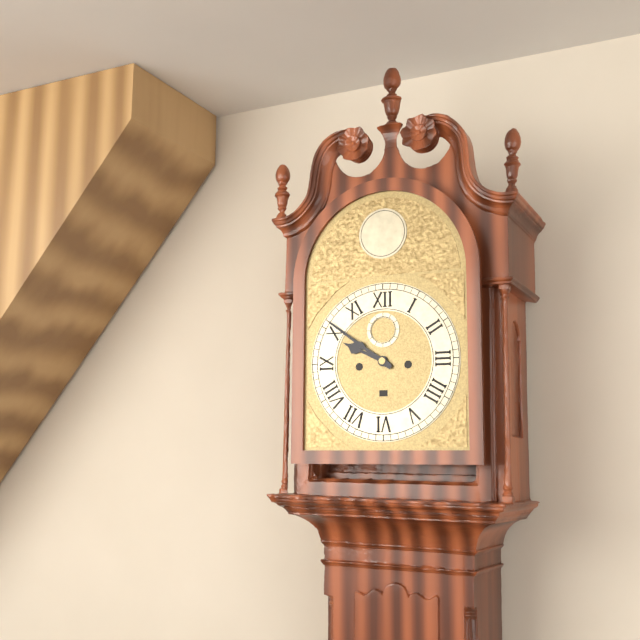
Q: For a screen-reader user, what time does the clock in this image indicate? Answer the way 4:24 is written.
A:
9:51
